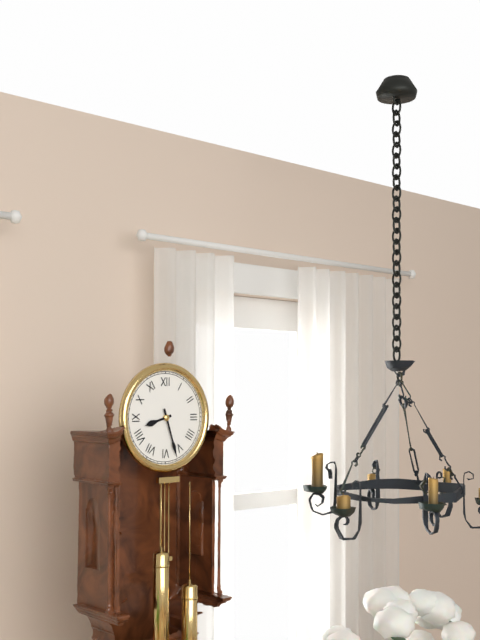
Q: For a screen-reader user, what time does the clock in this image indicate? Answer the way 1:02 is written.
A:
8:27
